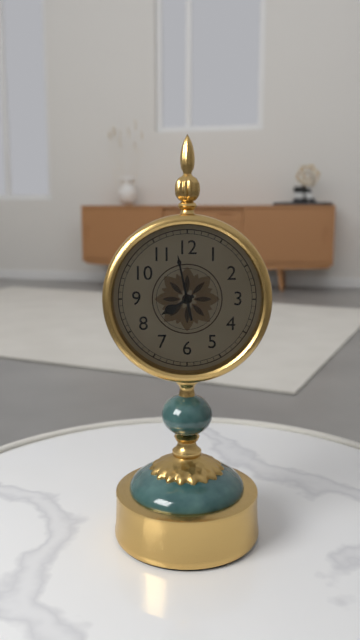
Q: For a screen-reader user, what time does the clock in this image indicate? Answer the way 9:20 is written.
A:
7:58
